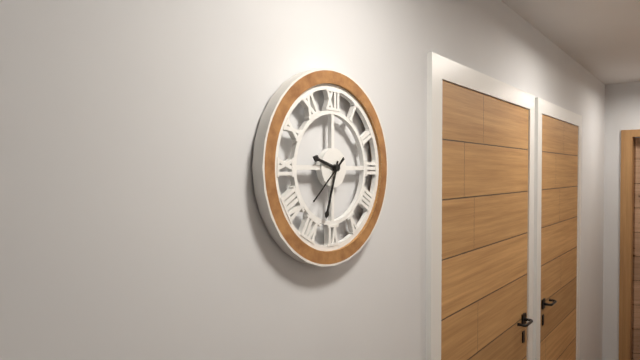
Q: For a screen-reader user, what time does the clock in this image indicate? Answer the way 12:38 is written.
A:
9:33
